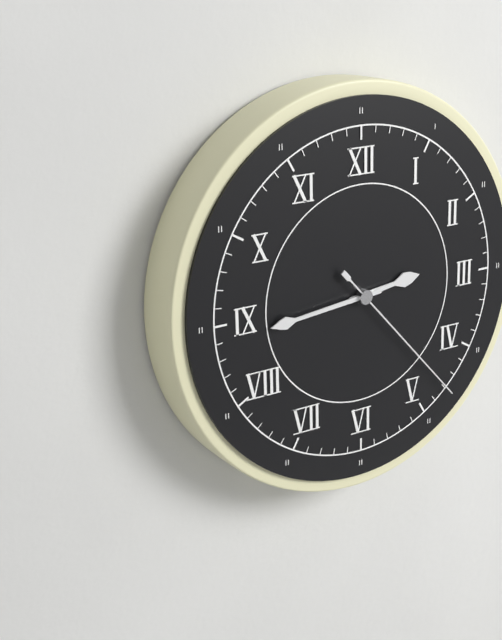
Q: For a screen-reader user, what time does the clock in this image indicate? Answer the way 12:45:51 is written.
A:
2:44:23
